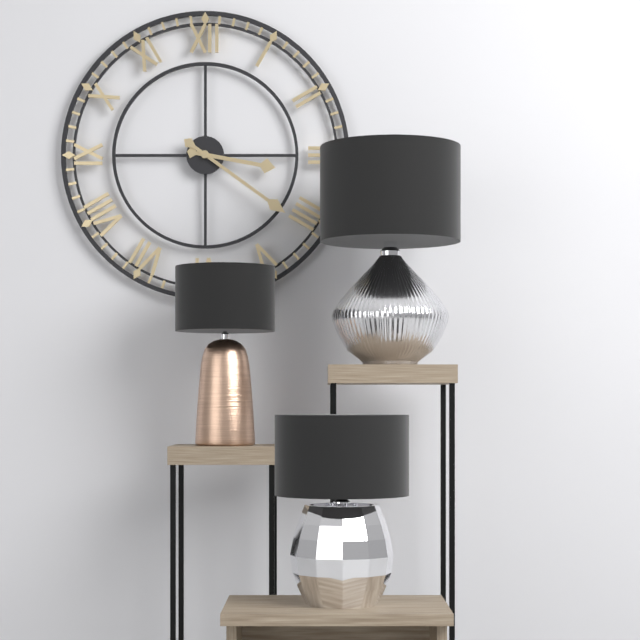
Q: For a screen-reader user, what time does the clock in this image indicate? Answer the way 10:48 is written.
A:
3:21
